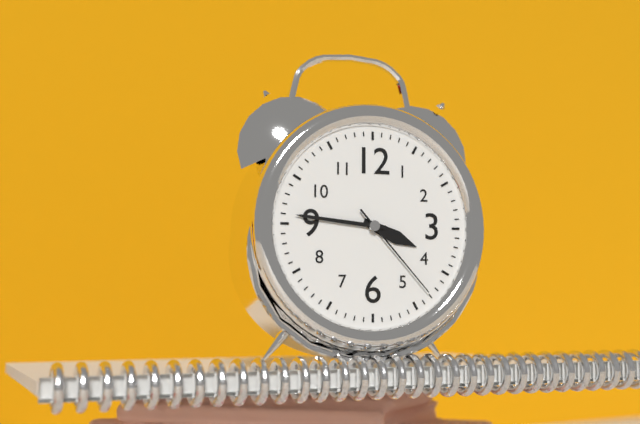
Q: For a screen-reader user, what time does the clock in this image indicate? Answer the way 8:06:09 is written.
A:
3:46:23
